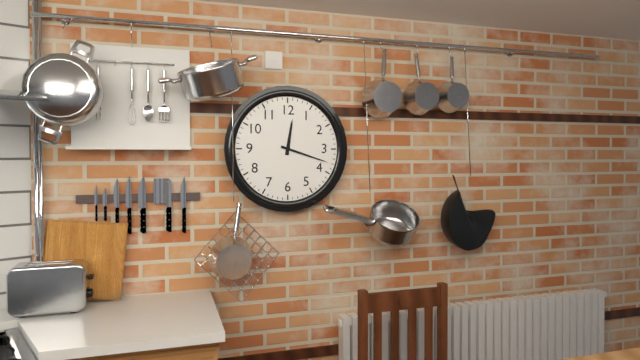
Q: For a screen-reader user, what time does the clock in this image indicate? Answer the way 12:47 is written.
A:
12:18
